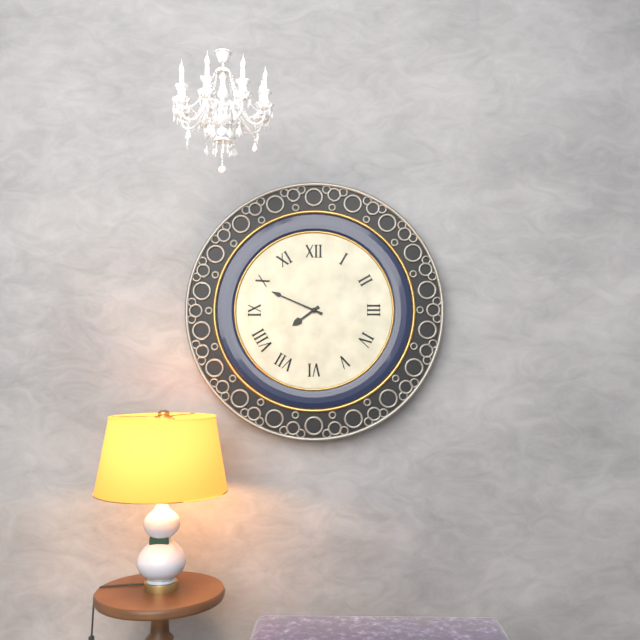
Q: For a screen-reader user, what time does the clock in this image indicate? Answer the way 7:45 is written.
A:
7:49
